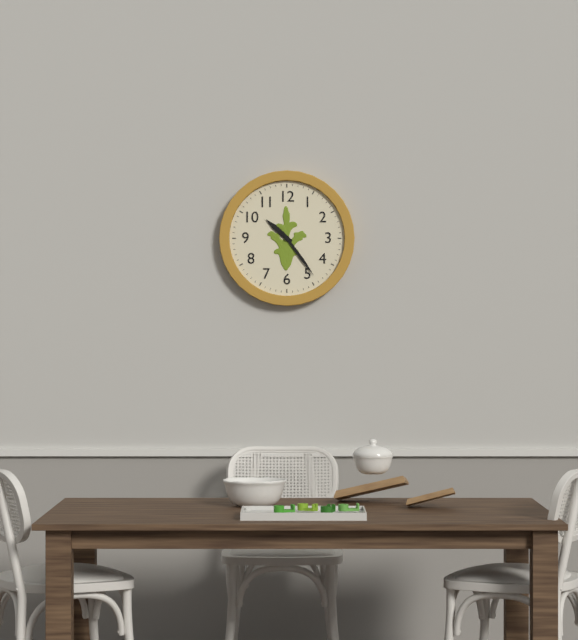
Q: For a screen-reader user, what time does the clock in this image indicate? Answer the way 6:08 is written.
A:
10:24
